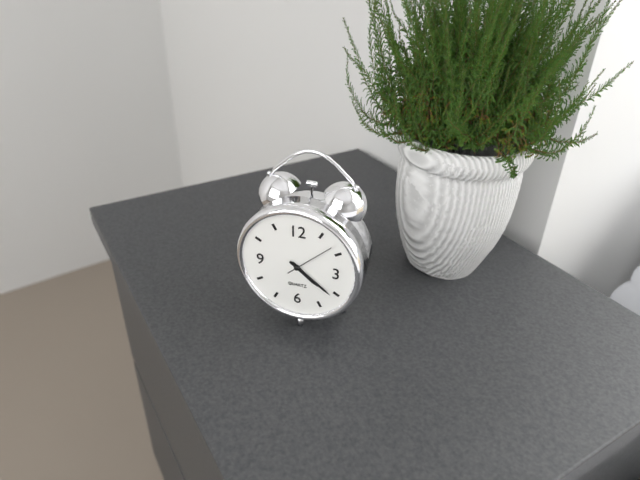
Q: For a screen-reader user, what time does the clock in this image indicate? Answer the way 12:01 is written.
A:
4:21
